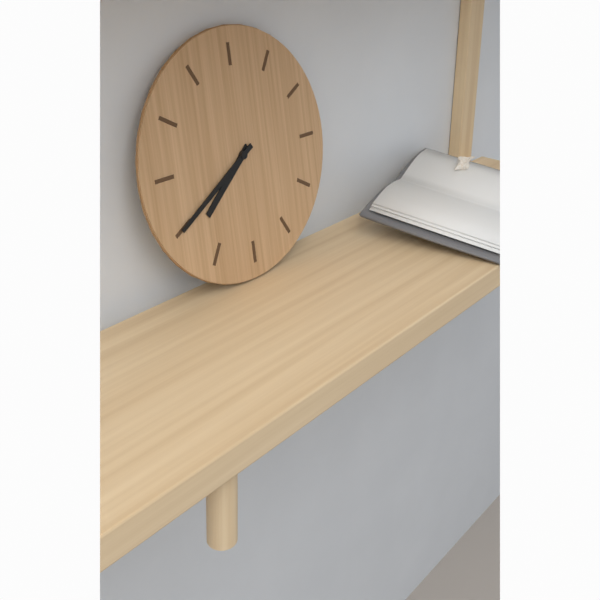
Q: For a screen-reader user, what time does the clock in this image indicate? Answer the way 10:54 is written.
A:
7:40
